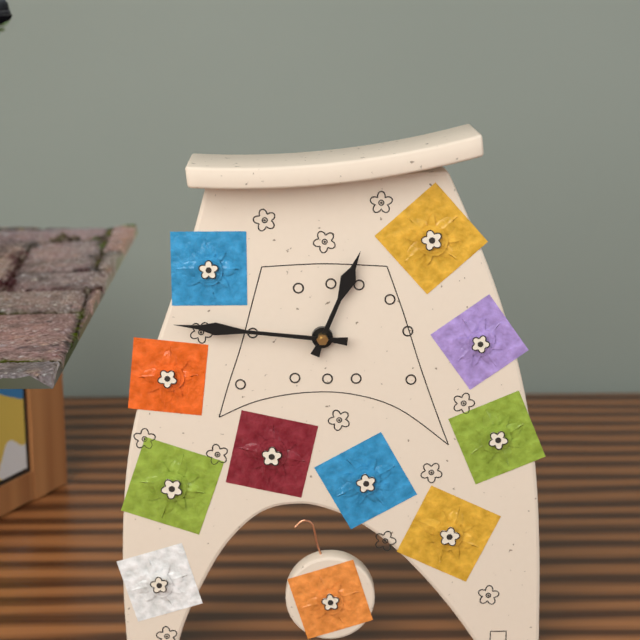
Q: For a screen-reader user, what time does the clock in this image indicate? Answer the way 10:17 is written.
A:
12:46
